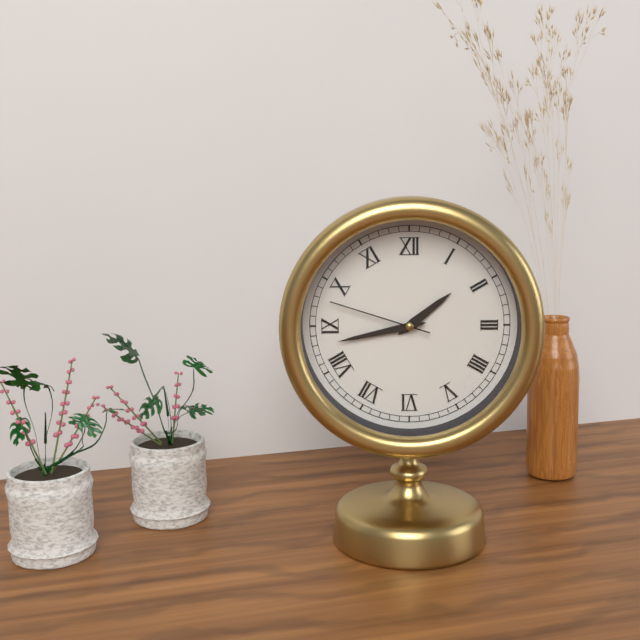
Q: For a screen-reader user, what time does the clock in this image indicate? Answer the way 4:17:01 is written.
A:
1:43:48
